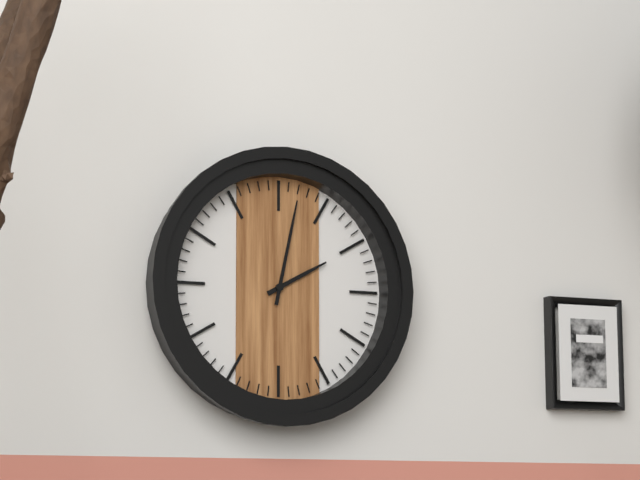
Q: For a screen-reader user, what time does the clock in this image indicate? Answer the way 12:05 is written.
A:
2:02
